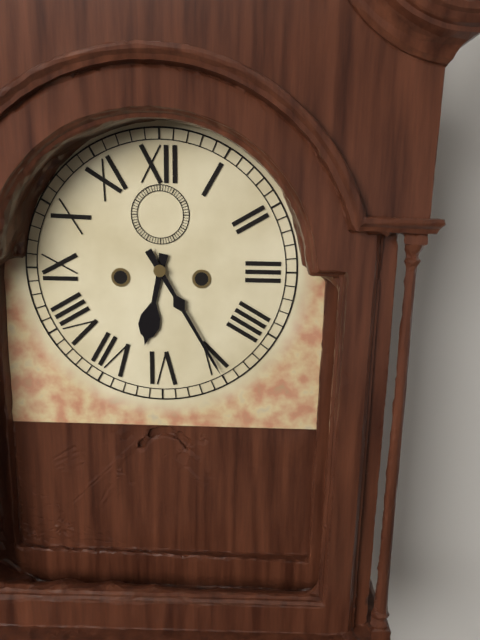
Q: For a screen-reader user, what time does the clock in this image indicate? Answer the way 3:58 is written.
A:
6:25
